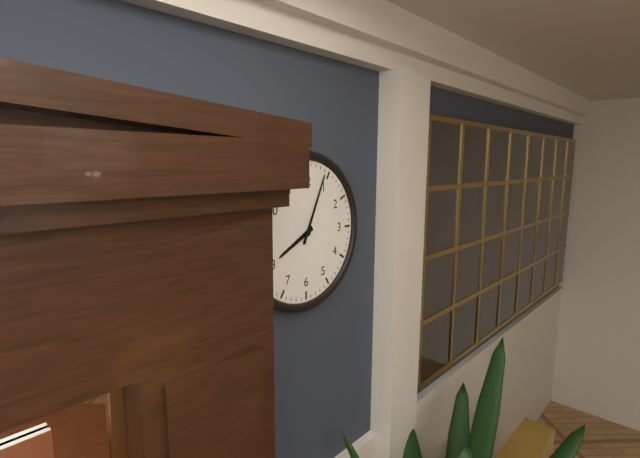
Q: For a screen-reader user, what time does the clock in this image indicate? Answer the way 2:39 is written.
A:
8:04
